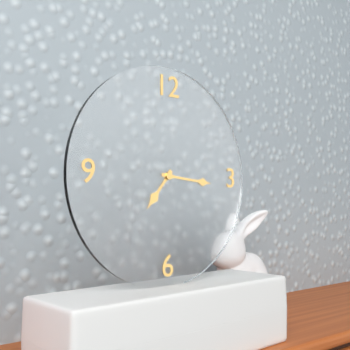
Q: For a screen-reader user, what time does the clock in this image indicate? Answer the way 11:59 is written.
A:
7:16
